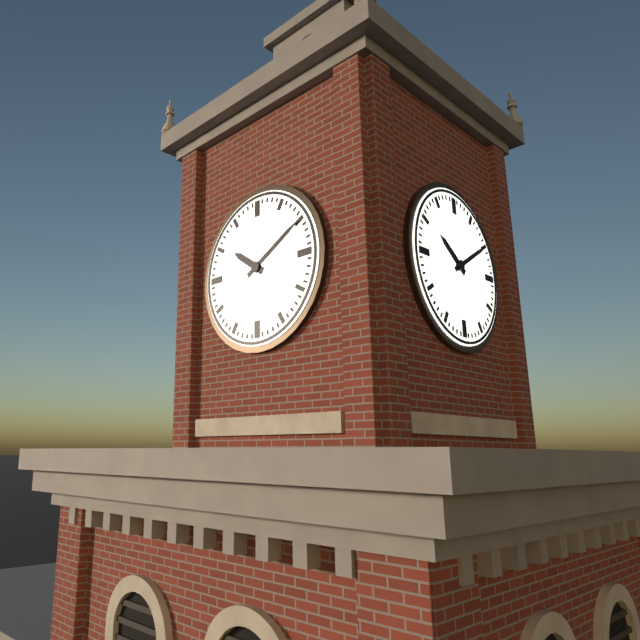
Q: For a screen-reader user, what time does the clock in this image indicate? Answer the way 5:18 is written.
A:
10:10
